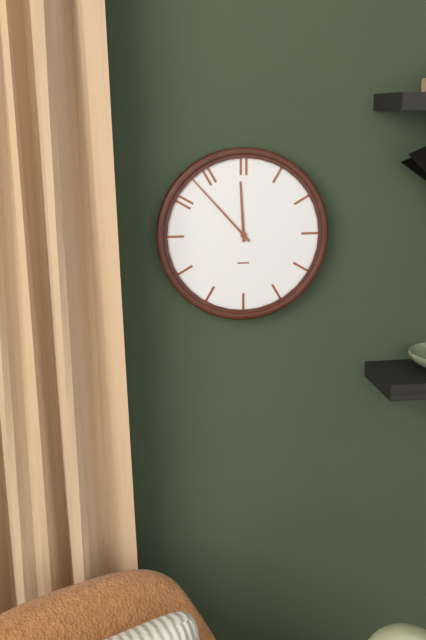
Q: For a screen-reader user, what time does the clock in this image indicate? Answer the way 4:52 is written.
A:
11:53
